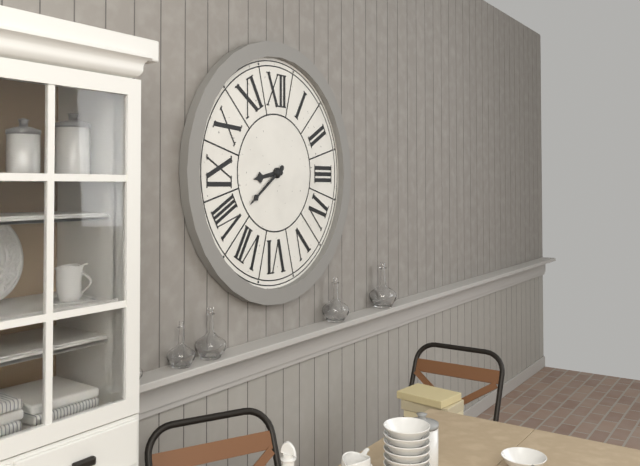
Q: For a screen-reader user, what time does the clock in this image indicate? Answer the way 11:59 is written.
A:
8:39
